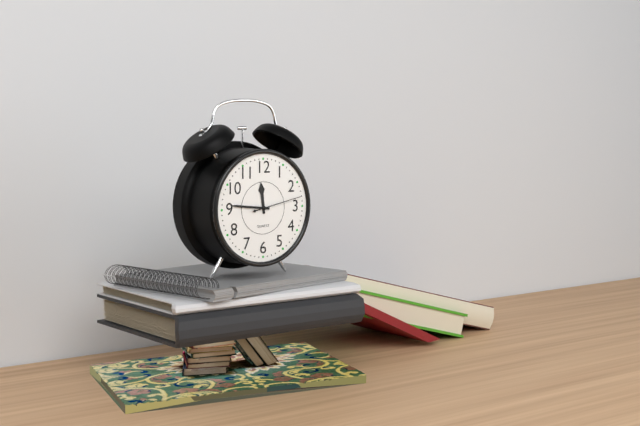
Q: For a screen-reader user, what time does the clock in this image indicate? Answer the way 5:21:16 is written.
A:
11:46:13
